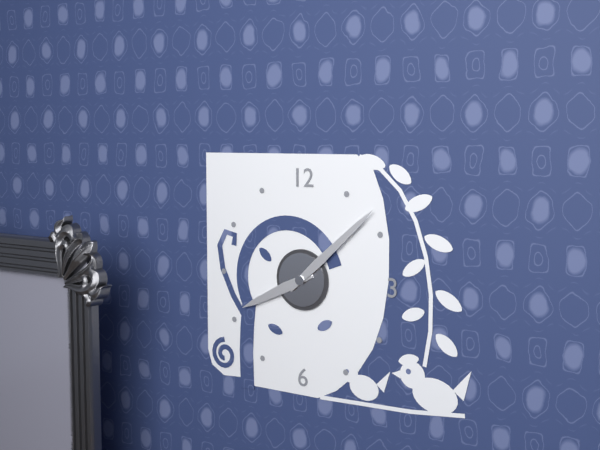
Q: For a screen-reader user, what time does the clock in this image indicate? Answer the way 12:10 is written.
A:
8:08
